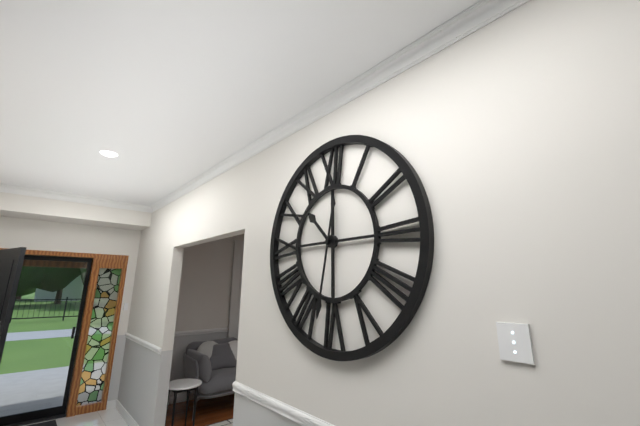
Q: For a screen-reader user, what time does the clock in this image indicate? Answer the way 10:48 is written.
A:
10:32
